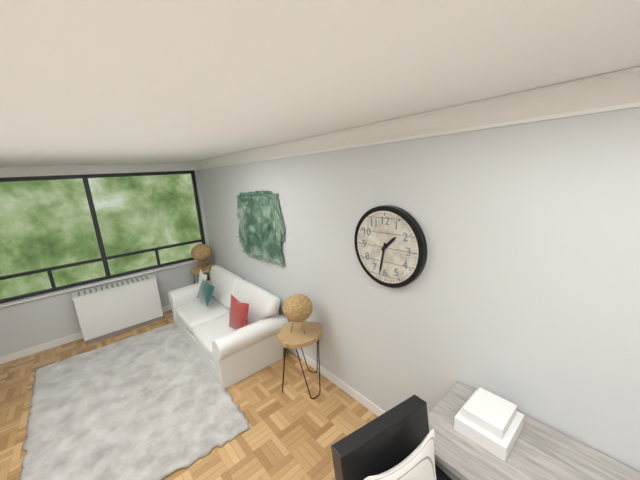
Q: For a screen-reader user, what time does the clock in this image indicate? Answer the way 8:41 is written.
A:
1:32
